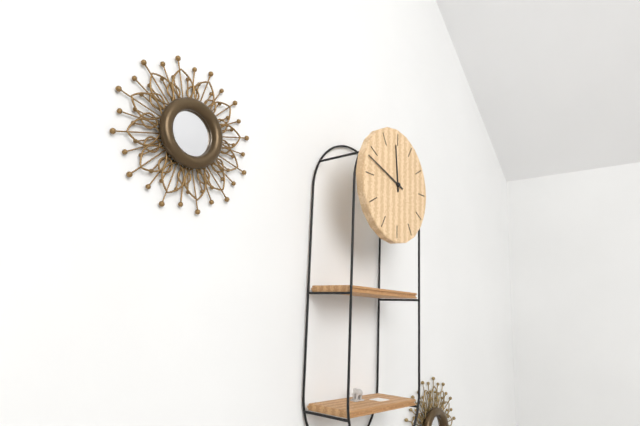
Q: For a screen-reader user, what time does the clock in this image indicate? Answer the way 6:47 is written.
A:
11:48
